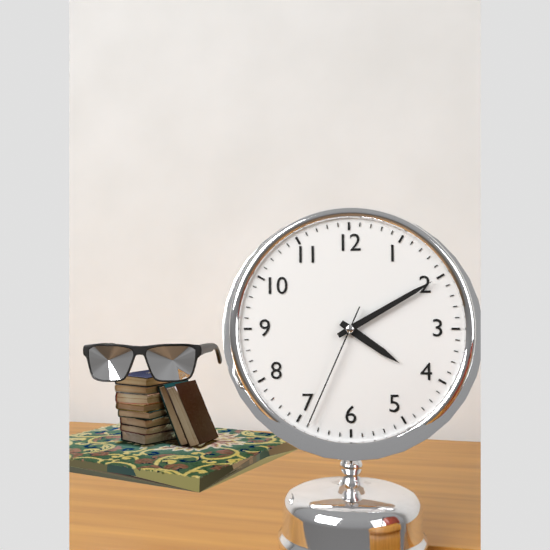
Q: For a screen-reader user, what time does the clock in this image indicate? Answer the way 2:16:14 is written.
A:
4:10:34
